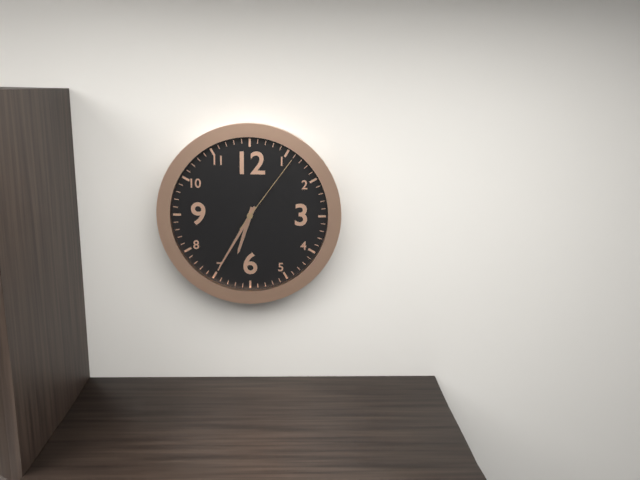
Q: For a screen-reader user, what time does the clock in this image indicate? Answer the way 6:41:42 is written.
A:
6:35:06
